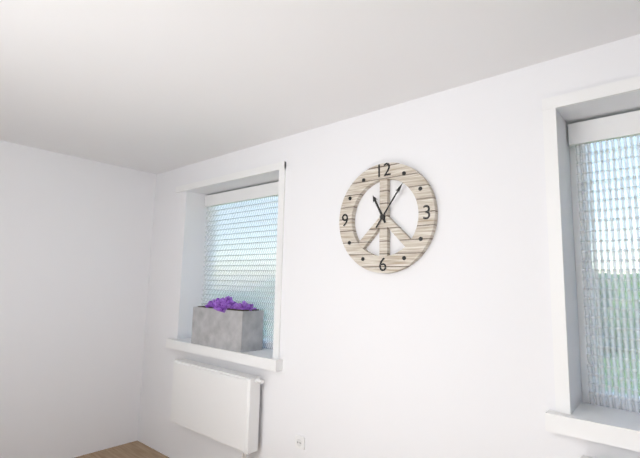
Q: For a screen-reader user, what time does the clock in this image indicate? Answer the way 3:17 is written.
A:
11:06
